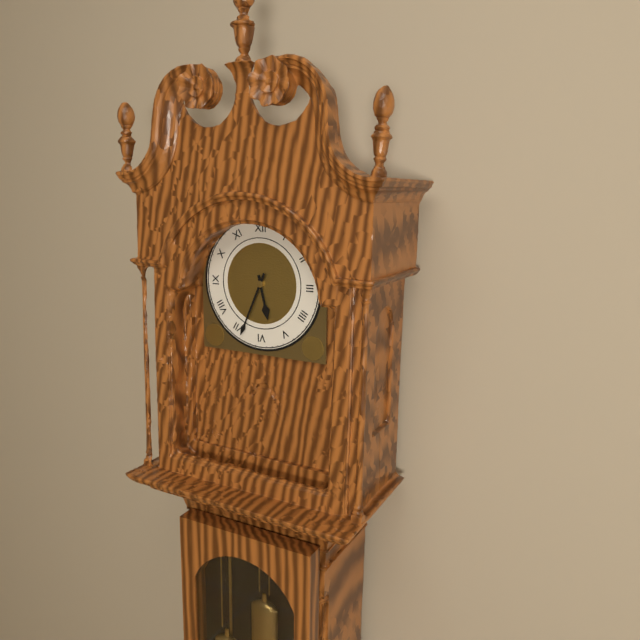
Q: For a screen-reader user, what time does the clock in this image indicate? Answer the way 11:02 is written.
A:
5:34
